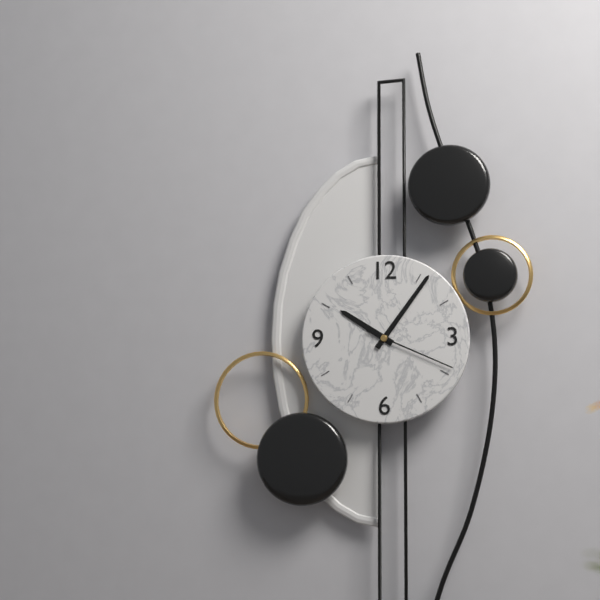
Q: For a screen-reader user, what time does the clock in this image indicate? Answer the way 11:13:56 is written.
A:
10:06:19
